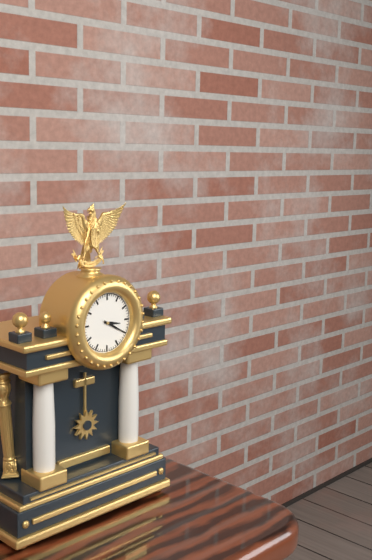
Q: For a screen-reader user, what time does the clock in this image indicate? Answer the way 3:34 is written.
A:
3:20
